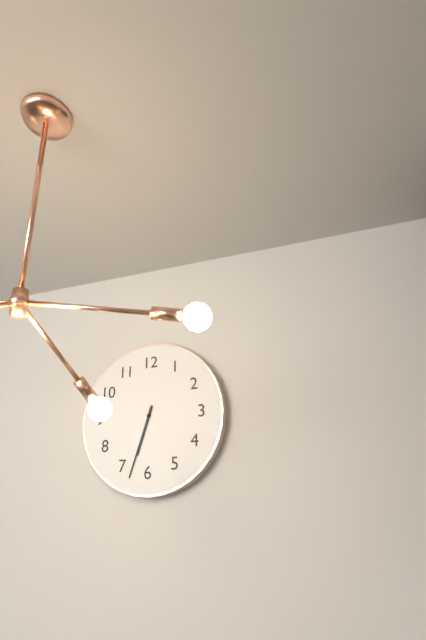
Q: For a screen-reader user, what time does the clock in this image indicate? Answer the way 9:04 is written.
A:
6:33
